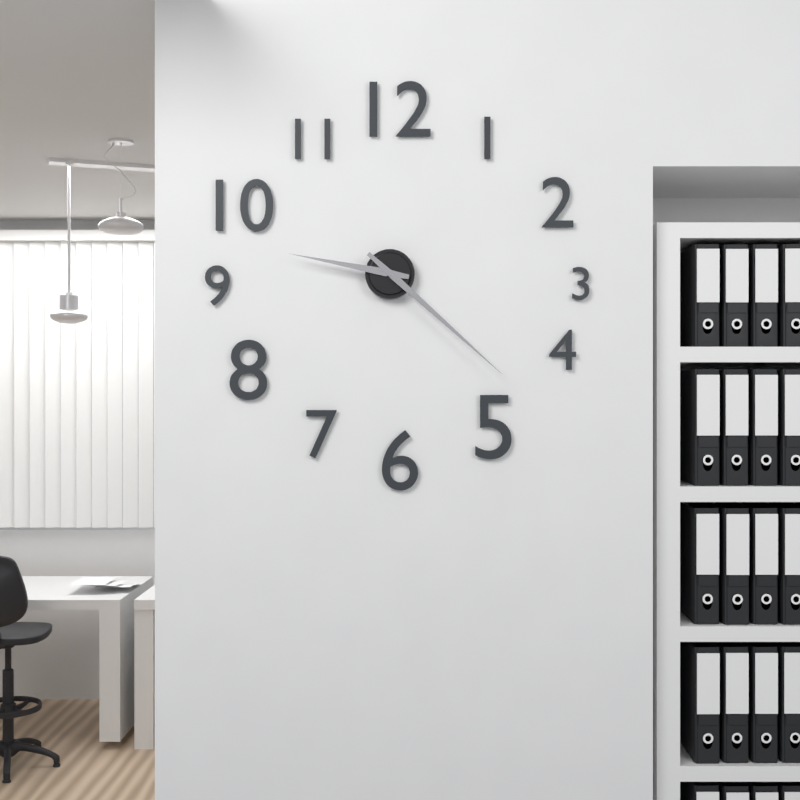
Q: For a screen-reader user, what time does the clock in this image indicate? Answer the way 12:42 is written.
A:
9:22
